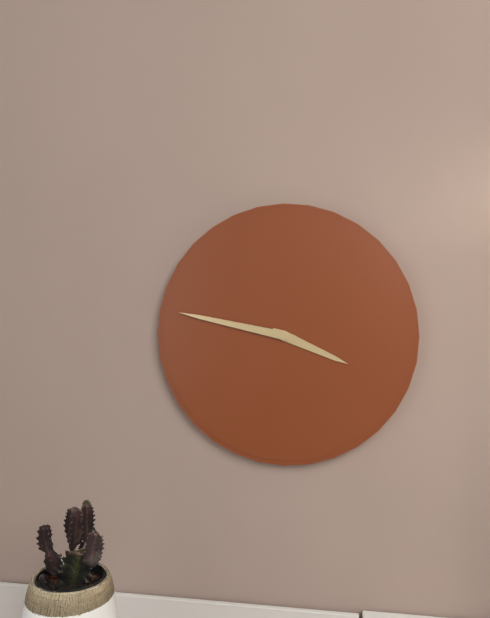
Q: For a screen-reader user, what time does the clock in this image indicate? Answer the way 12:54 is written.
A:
3:47
